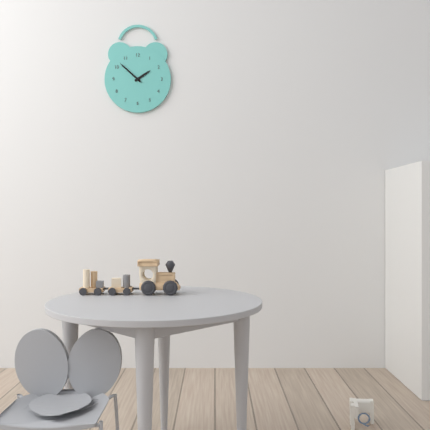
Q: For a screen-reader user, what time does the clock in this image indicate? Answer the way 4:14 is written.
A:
1:52
